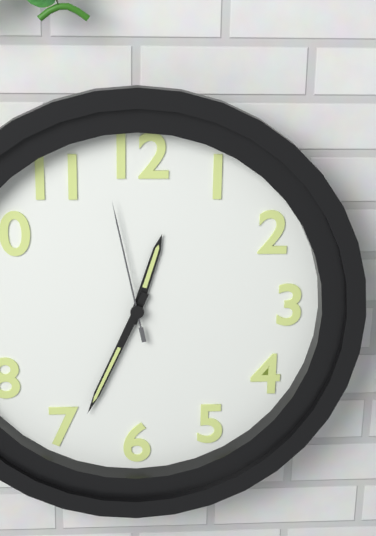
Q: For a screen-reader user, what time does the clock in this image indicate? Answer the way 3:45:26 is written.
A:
12:34:58
